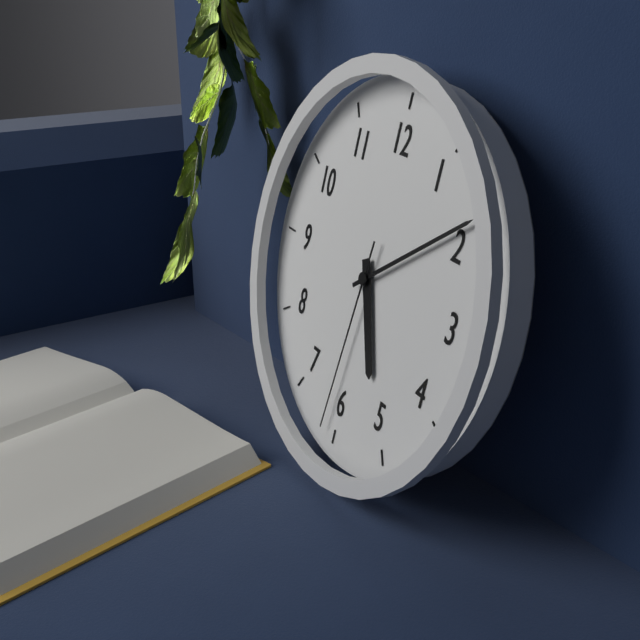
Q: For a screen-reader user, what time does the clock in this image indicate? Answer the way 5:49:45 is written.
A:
5:09:31
